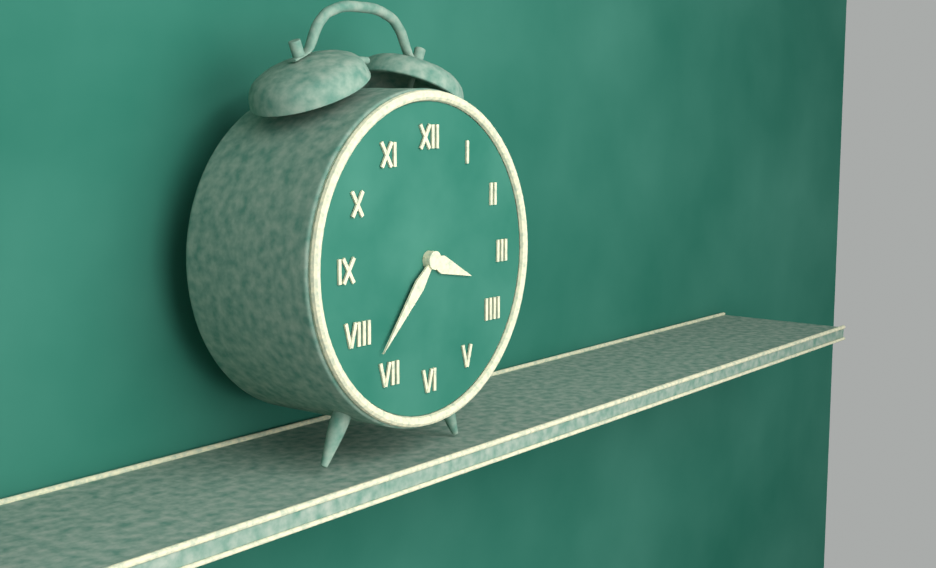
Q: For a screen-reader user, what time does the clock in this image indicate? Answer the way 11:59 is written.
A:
3:37
